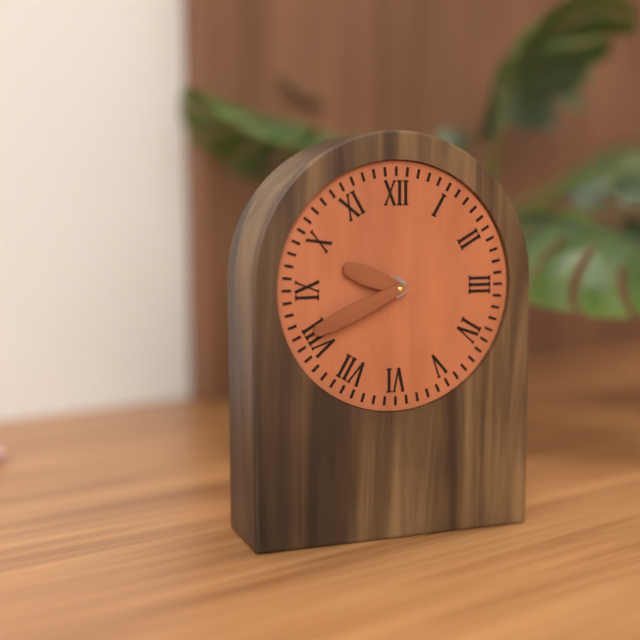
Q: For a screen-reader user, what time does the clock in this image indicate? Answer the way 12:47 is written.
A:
9:41
